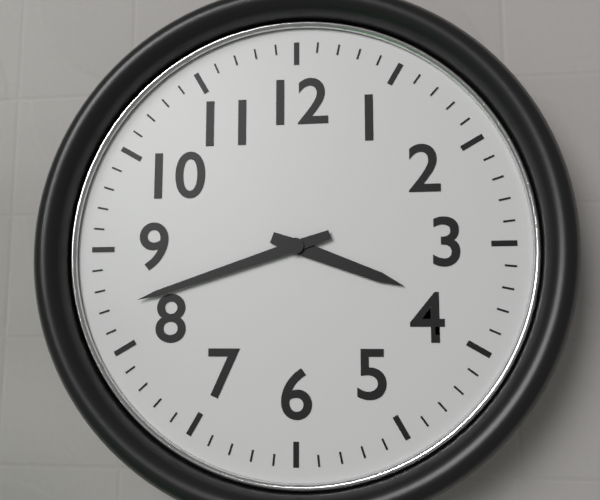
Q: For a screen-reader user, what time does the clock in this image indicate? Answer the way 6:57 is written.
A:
3:42
